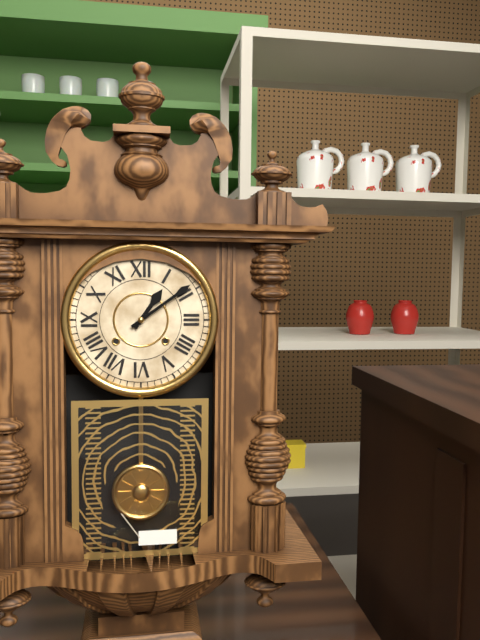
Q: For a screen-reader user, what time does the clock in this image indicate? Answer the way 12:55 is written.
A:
1:09
